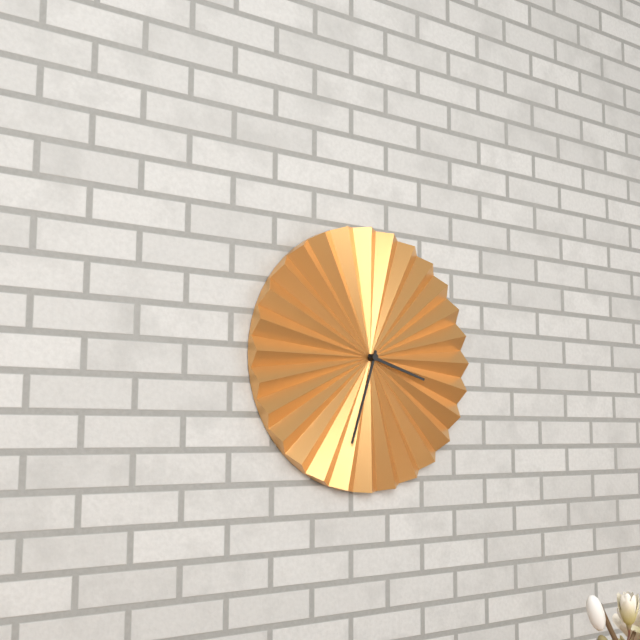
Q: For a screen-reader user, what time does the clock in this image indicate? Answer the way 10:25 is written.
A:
3:33
